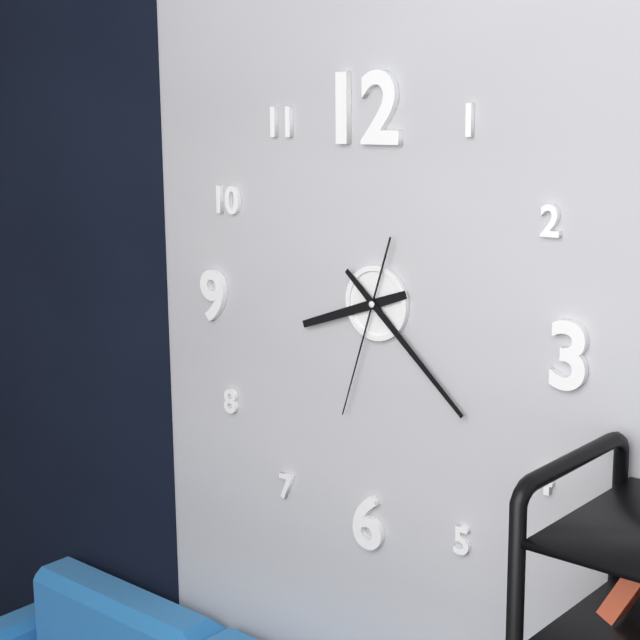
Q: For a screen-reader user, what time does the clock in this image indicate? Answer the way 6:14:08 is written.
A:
8:22:33
